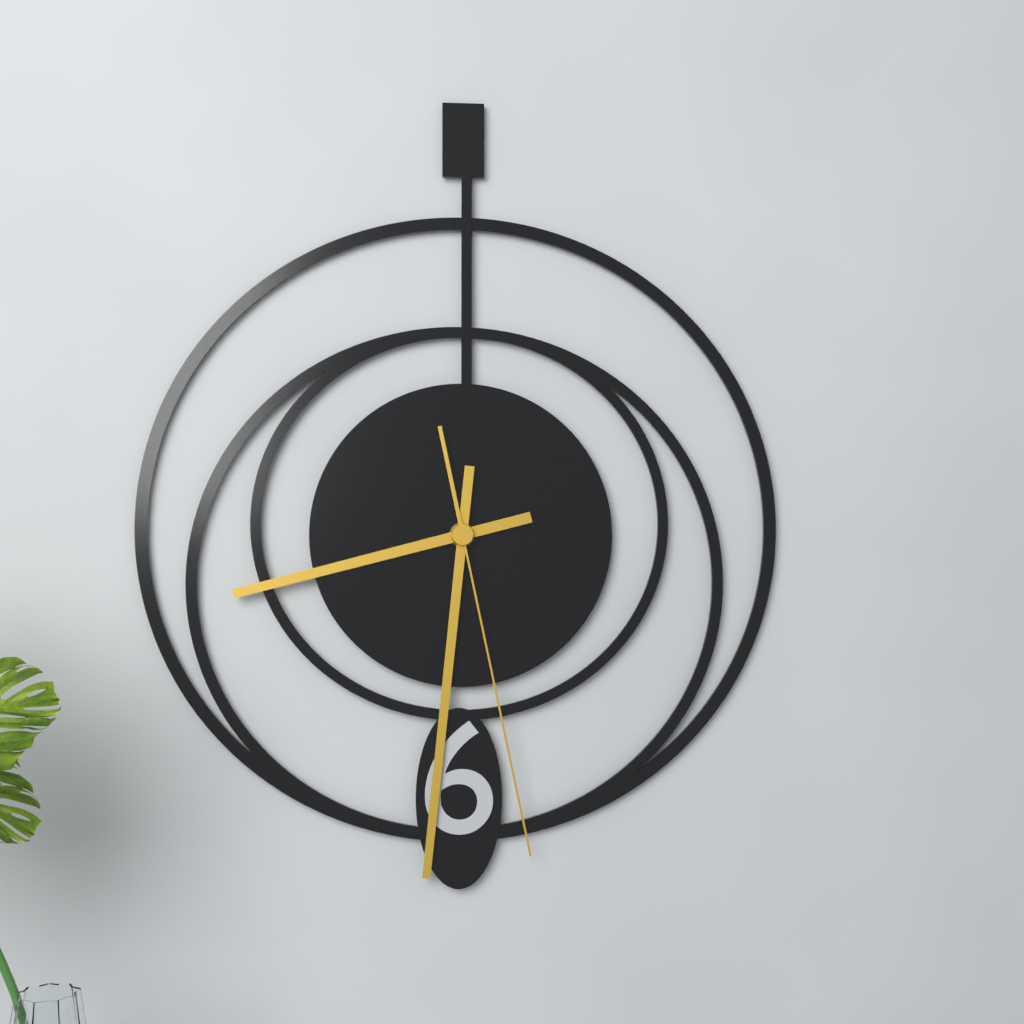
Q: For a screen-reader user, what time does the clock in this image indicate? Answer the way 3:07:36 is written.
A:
8:31:28
